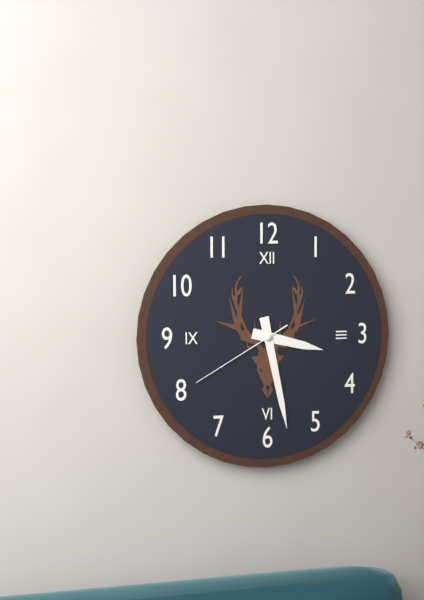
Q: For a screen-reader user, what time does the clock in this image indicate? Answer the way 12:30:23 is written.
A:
3:28:40
